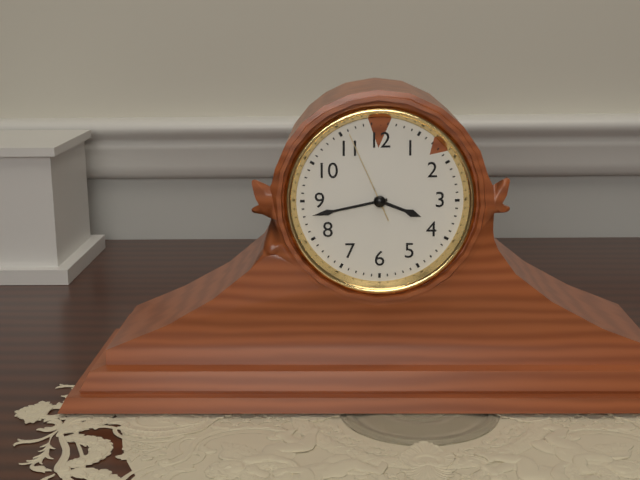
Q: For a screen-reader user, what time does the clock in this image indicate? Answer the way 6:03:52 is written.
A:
3:43:56
